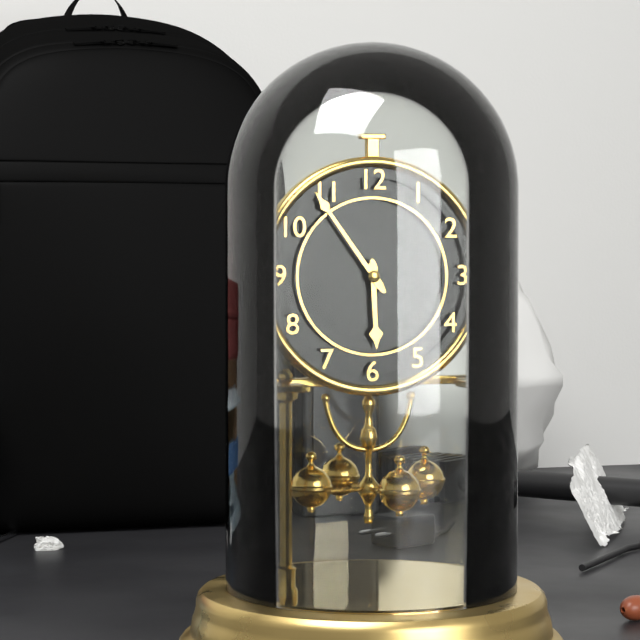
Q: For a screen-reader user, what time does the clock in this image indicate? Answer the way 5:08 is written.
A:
5:54
